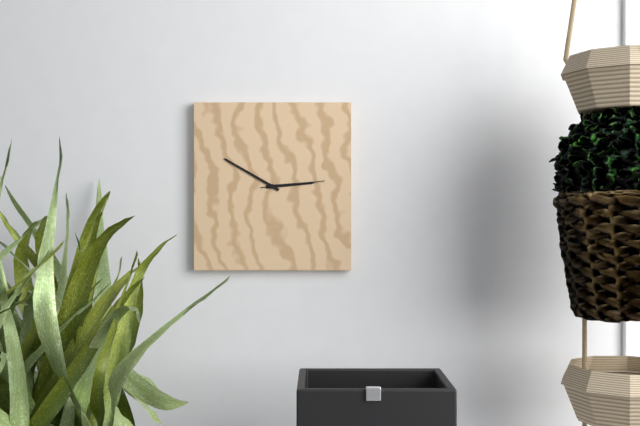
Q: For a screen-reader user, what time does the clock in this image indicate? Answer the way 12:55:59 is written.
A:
2:50:14
